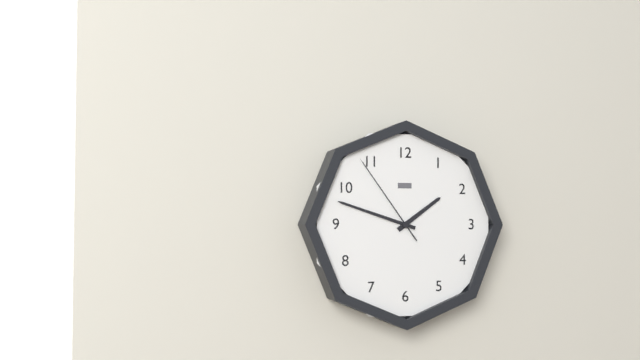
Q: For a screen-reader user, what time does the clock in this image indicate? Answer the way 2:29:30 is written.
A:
1:48:54
